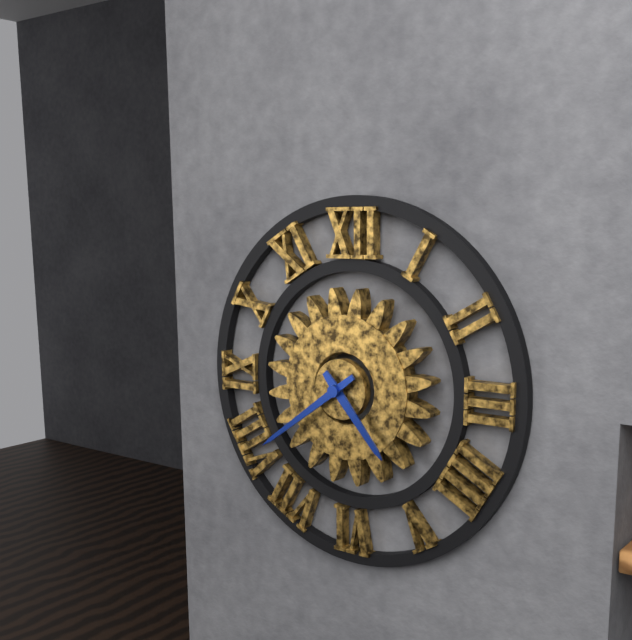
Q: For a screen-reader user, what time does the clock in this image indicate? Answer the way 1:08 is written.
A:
4:39
